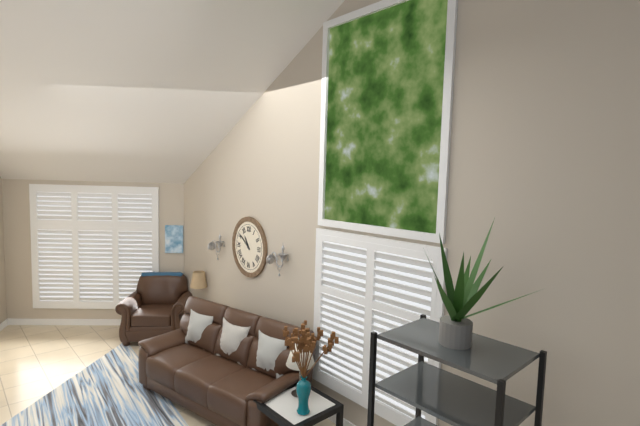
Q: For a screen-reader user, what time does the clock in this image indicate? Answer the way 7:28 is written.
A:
10:51
